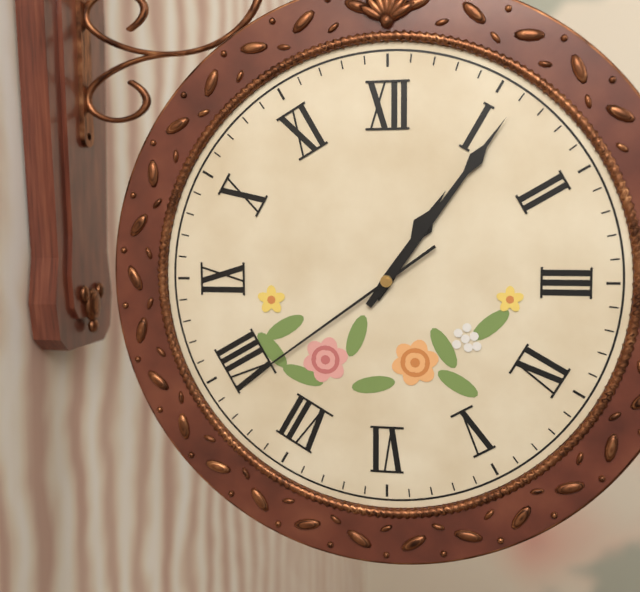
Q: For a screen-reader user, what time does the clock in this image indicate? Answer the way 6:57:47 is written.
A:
1:06:39
